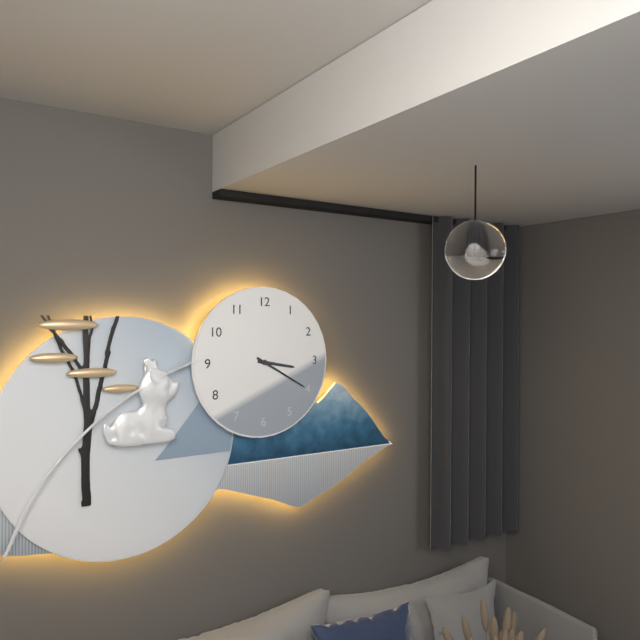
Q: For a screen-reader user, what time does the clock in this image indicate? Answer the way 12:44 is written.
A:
3:20
